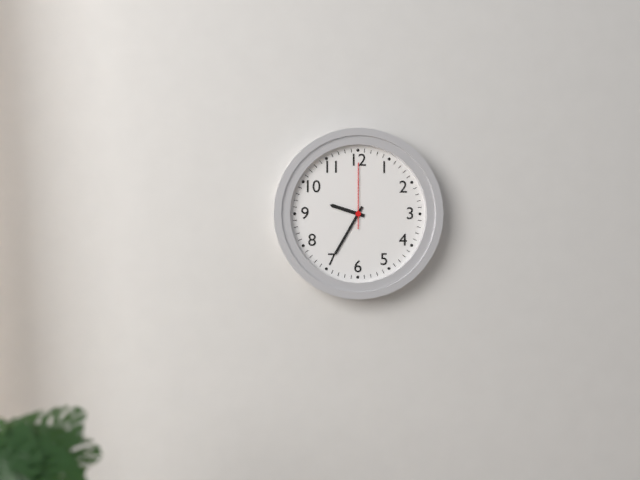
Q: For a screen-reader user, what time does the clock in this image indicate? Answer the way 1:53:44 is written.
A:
9:35:00
